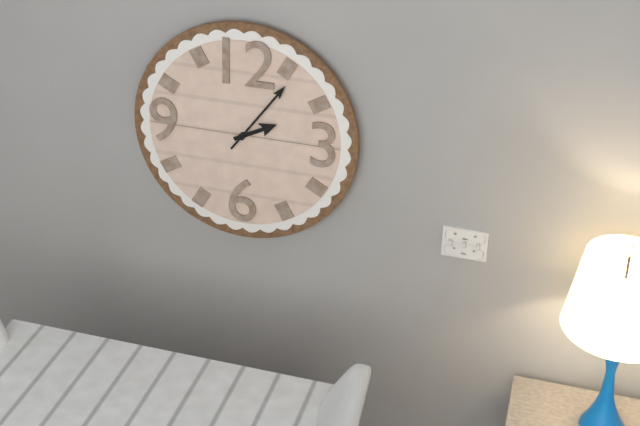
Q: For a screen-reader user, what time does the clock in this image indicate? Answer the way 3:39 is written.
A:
2:06
